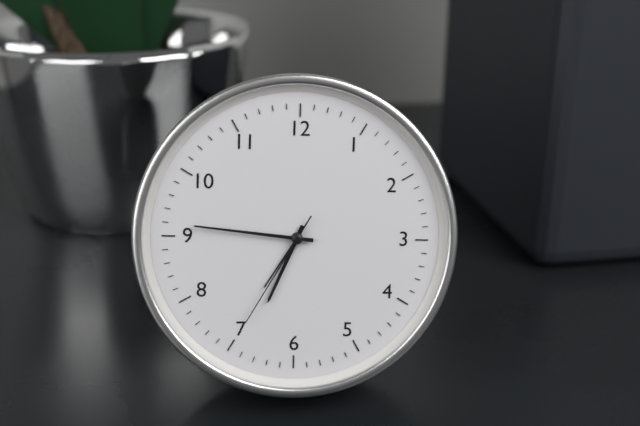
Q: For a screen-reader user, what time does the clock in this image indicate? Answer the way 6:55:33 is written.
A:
6:46:35
